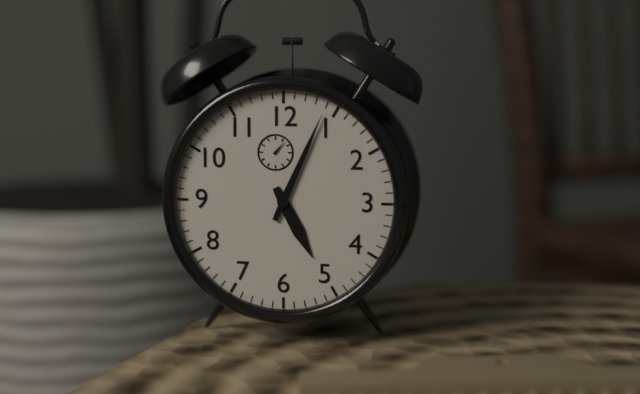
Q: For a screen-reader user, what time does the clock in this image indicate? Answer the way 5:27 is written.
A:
5:04
